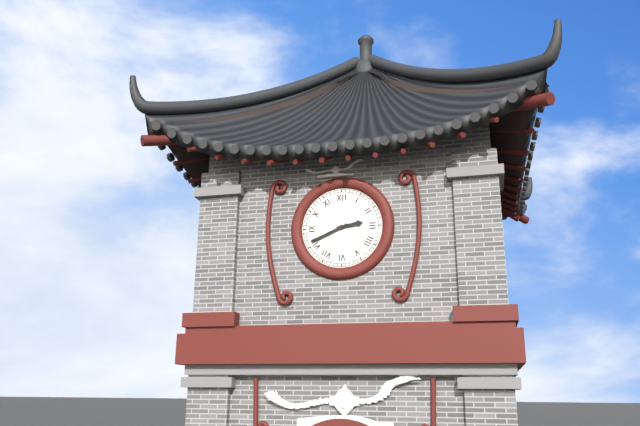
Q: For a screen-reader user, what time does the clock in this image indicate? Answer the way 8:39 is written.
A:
2:41
